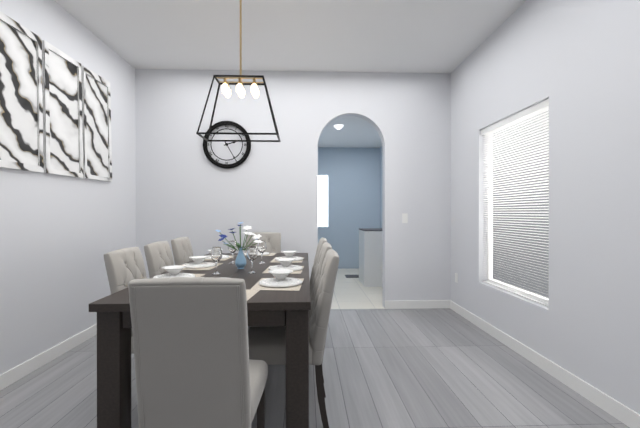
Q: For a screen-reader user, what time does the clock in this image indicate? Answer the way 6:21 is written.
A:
2:25
